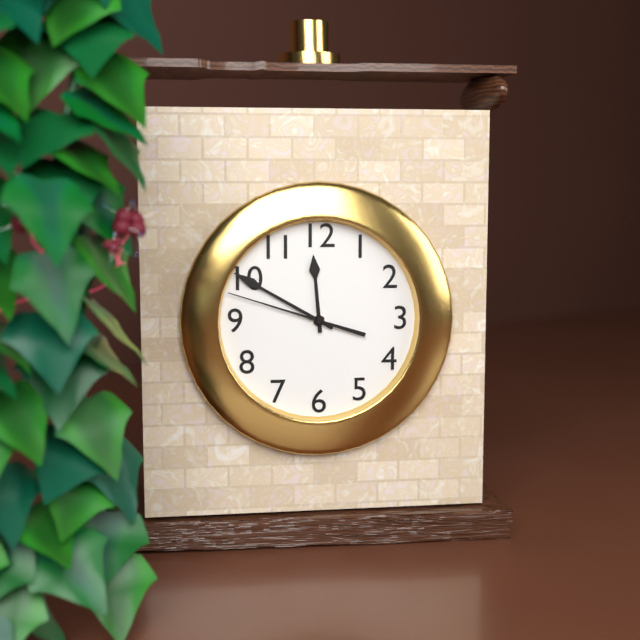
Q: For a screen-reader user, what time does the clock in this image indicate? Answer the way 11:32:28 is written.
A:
11:50:48
